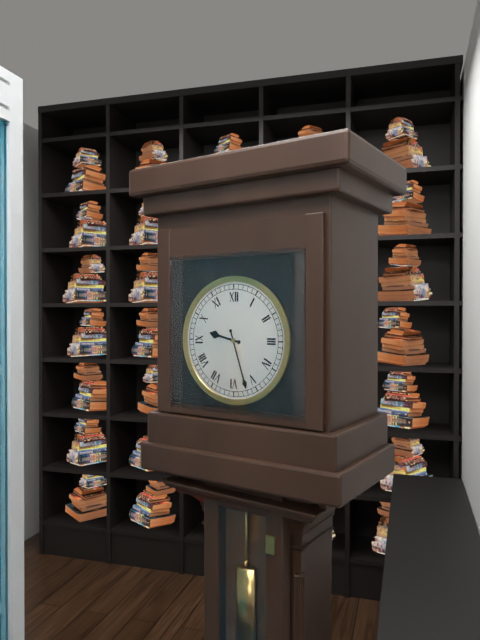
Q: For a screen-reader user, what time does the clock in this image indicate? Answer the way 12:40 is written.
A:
9:27
